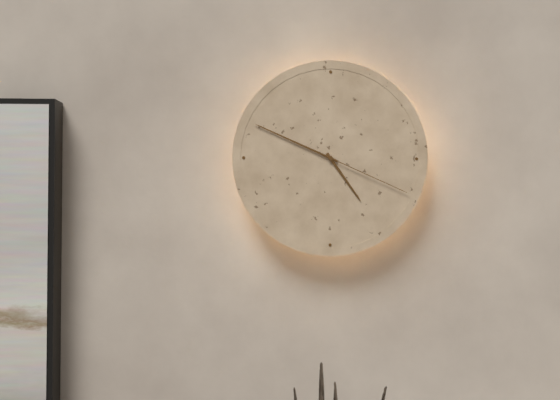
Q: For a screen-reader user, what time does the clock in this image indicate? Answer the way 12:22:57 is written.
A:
4:49:19
